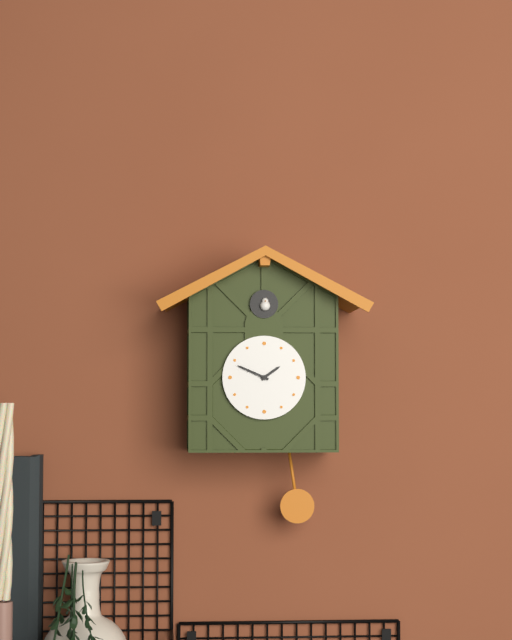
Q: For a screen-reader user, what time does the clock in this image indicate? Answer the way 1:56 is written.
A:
1:49
